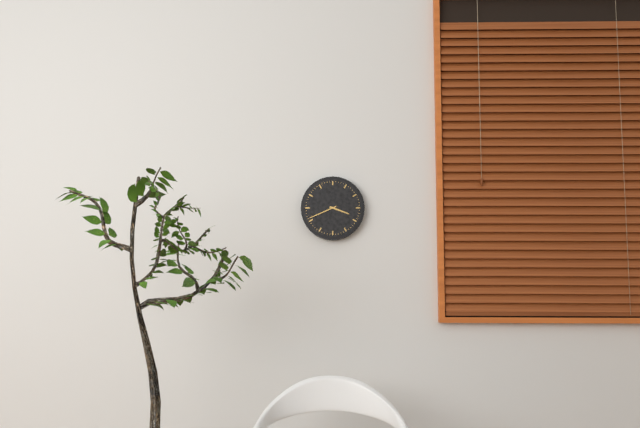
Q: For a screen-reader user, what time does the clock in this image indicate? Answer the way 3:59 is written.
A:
3:41
